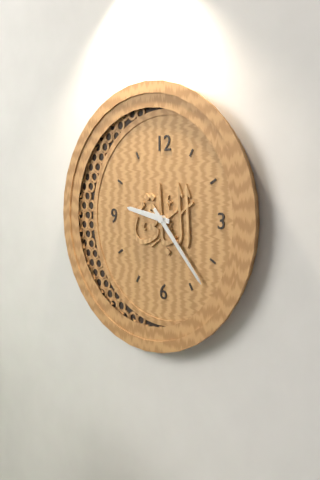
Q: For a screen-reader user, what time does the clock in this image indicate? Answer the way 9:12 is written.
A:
9:23
